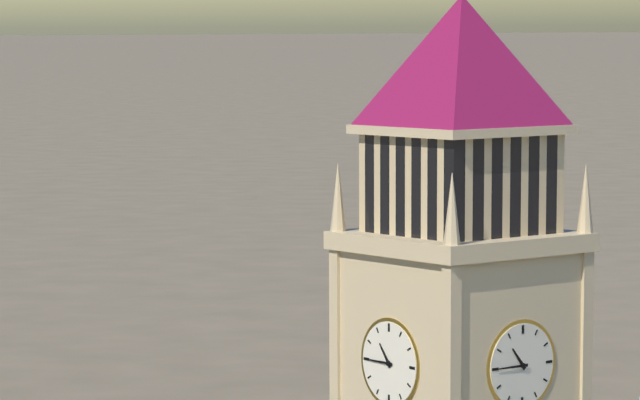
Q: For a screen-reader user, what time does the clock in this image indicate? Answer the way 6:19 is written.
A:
10:45
